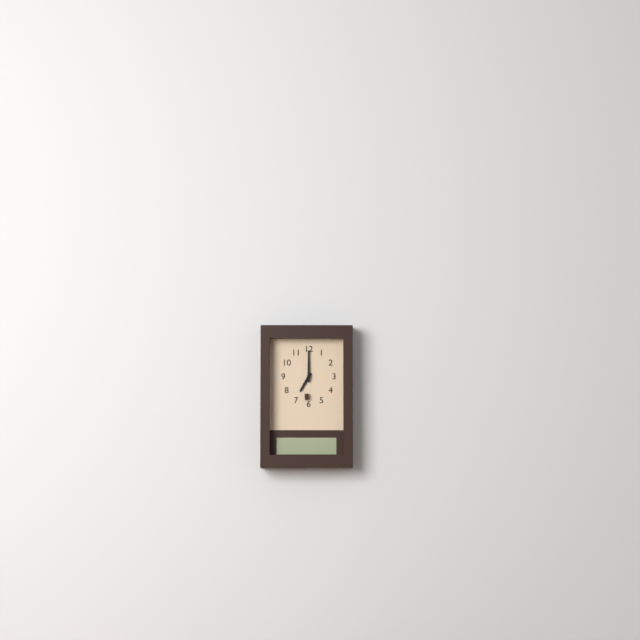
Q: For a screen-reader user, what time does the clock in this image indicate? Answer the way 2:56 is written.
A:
7:00
